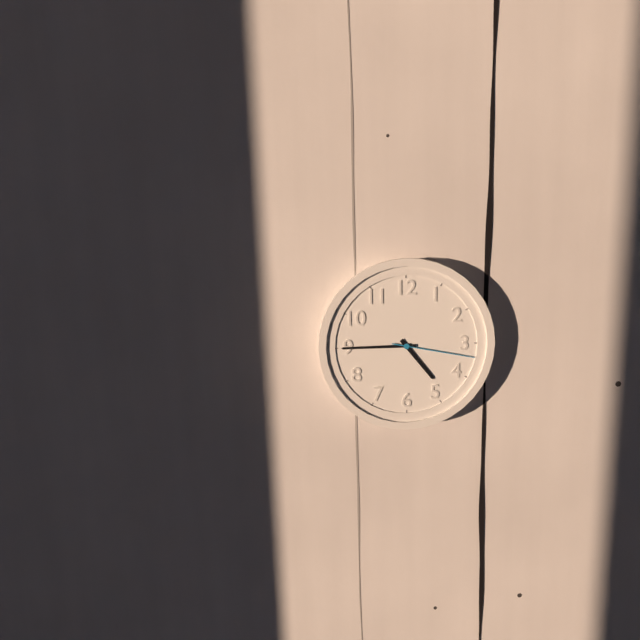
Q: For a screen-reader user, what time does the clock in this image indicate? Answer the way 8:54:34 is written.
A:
4:45:17
